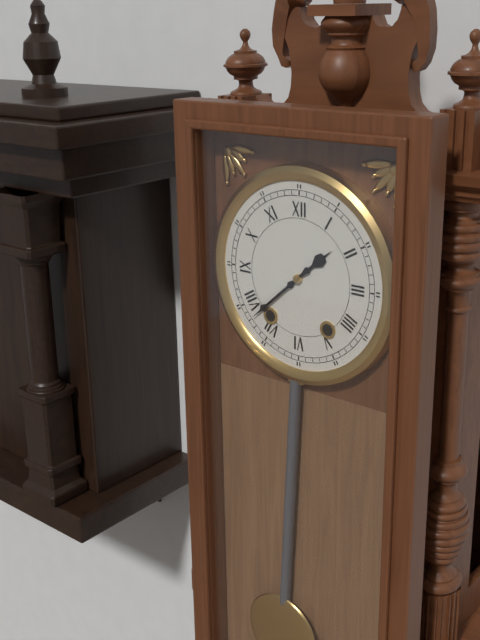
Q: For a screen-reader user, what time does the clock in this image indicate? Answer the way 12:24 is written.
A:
1:38
